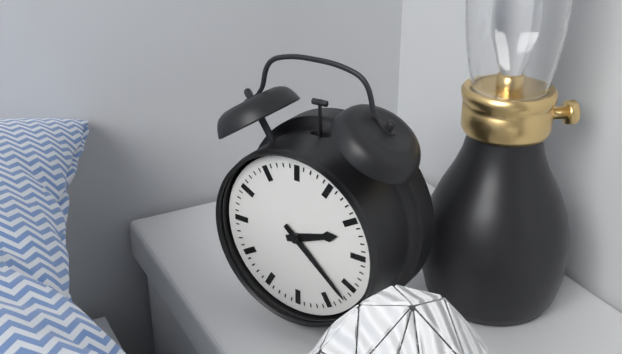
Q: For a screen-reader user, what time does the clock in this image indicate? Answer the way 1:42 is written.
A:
2:22
